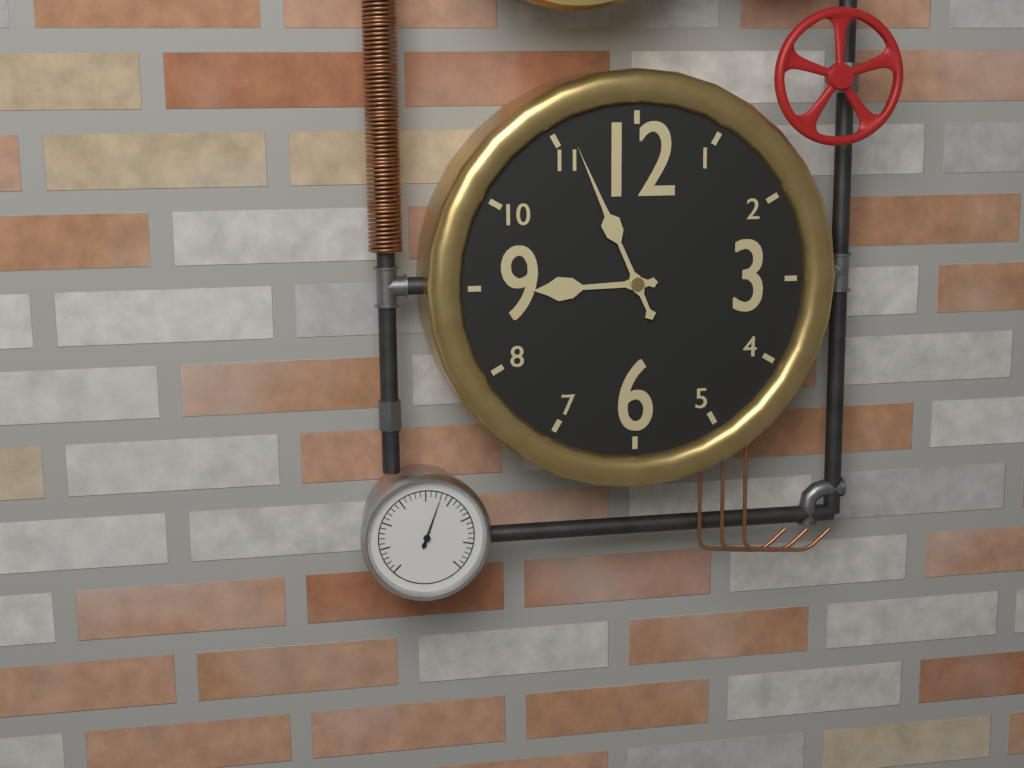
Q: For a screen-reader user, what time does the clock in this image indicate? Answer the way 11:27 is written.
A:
8:56
